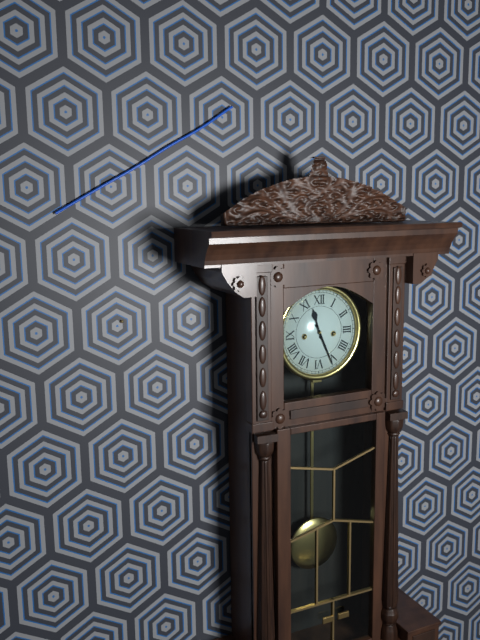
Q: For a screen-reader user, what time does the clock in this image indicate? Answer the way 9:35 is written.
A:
11:26
